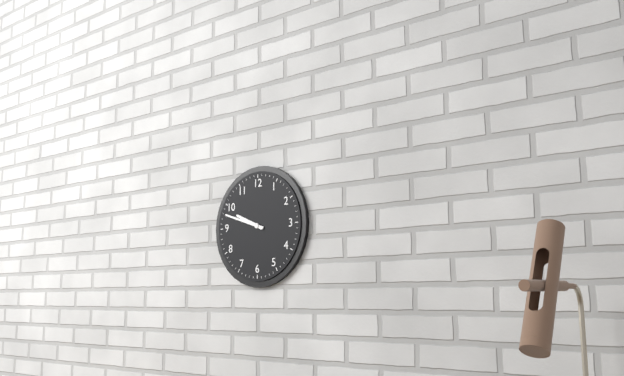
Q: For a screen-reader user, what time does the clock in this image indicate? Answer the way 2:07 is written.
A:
9:48
